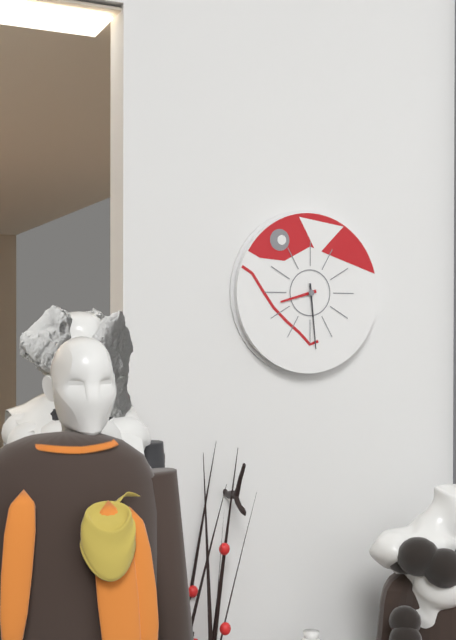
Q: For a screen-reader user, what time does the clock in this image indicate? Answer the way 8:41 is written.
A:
8:29
